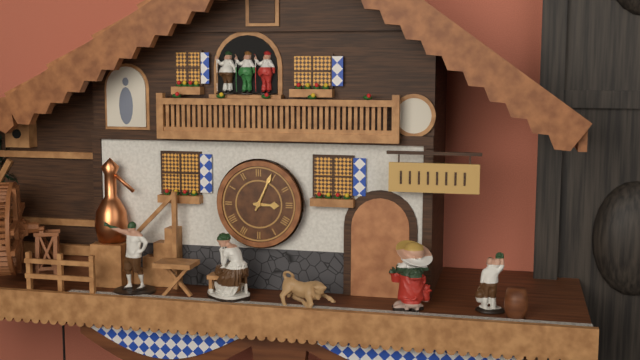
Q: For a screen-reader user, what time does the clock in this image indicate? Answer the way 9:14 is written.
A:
3:04
